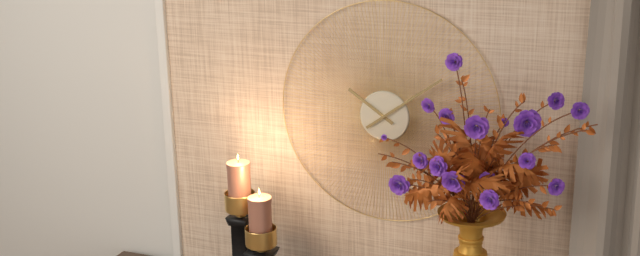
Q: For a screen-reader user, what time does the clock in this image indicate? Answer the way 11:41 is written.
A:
10:09
